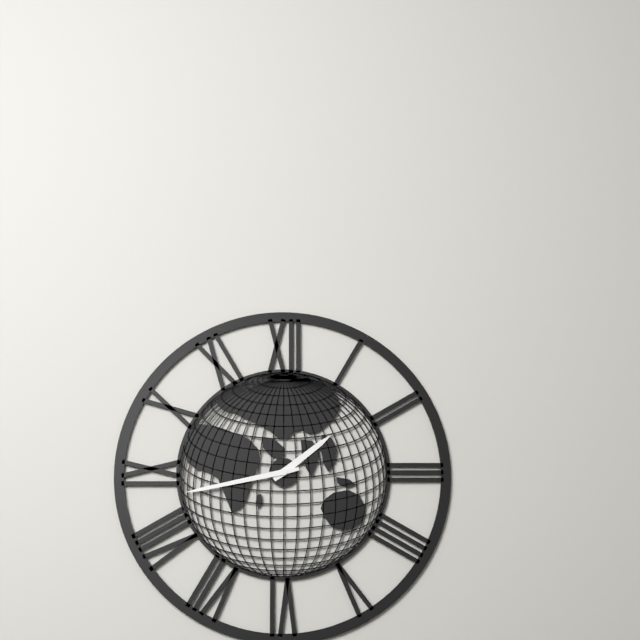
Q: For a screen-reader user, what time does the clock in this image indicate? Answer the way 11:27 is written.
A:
1:43
